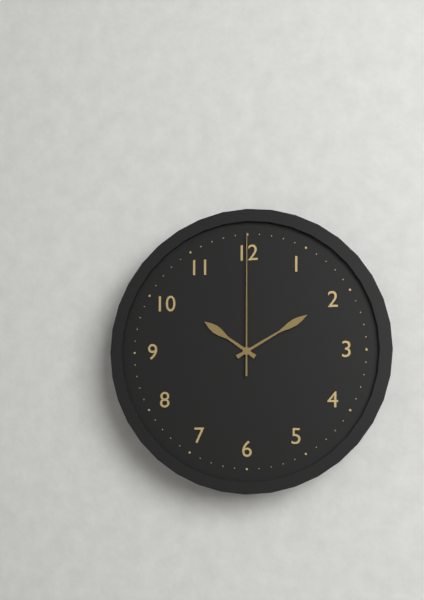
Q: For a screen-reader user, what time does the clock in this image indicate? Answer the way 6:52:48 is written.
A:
10:10:00
